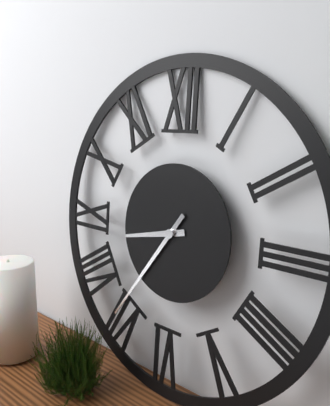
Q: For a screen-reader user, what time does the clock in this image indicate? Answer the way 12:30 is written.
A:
8:36
